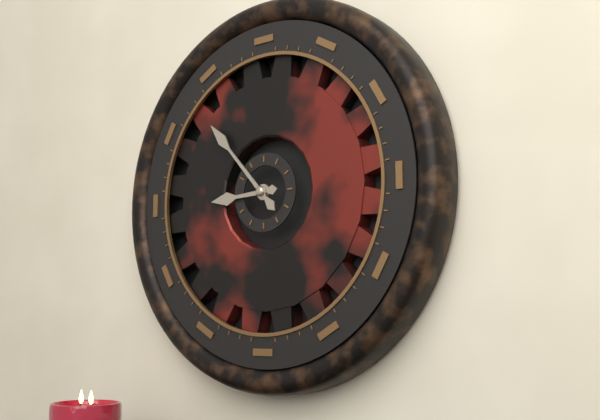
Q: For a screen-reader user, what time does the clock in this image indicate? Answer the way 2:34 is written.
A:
8:53
